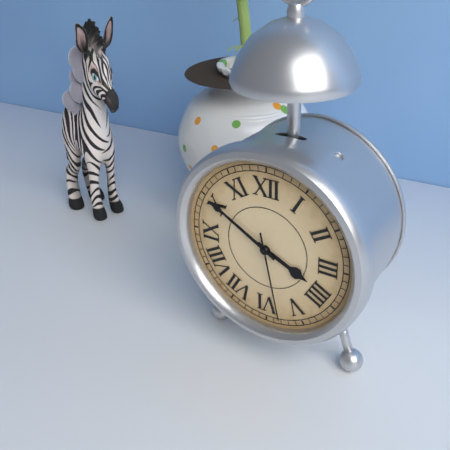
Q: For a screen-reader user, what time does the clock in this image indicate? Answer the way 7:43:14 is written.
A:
3:50:28
